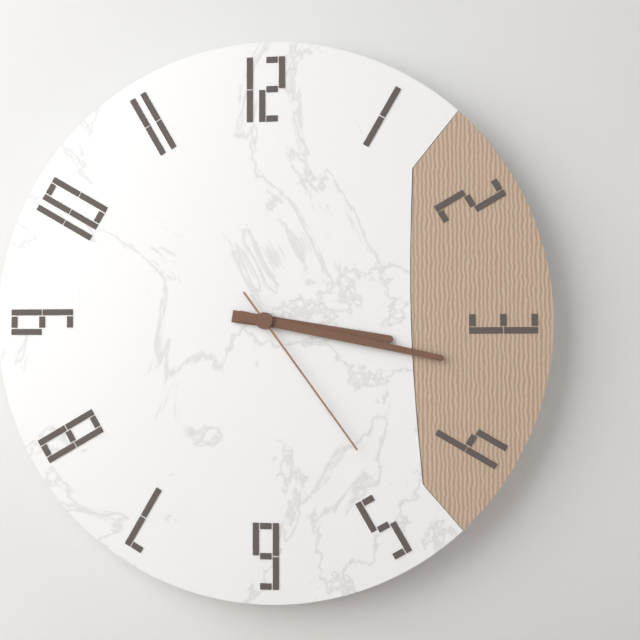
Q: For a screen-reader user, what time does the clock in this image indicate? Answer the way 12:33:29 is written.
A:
3:17:24
